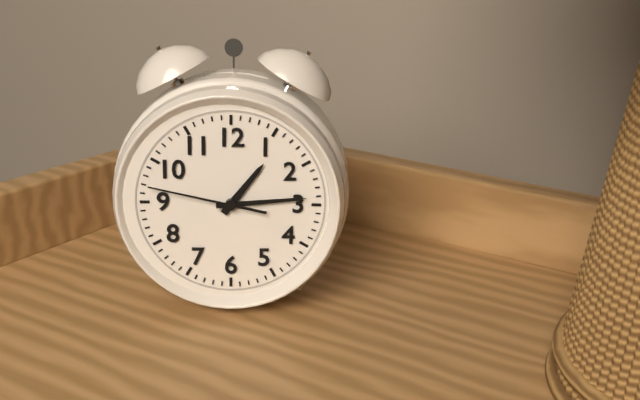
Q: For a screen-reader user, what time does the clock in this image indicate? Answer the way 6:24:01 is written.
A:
1:14:47
